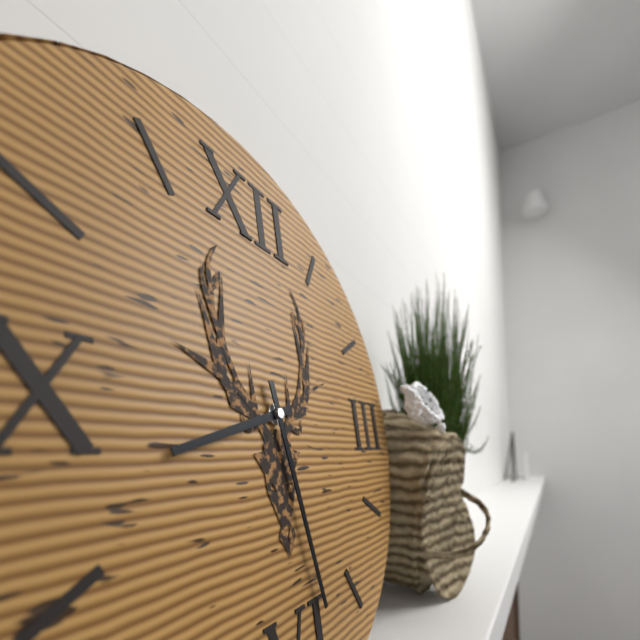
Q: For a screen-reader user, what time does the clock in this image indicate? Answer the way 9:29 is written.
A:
8:28
